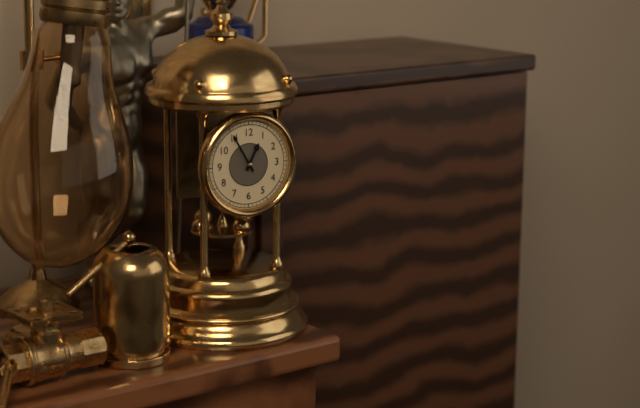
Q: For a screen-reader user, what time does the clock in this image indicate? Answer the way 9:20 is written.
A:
12:55
